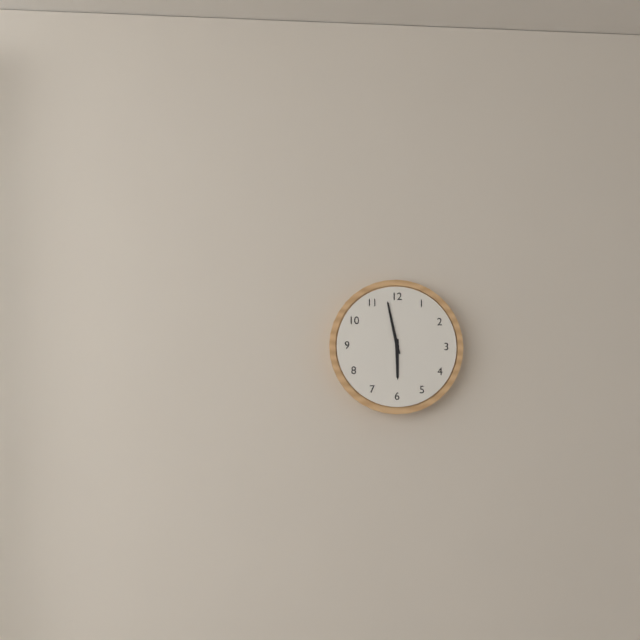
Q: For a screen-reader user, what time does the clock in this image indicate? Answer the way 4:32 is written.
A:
5:58
